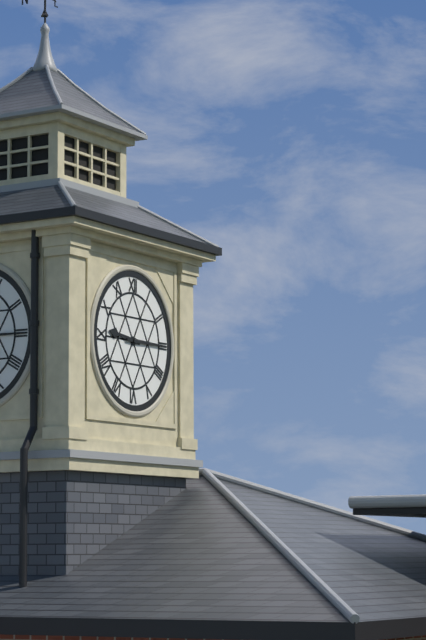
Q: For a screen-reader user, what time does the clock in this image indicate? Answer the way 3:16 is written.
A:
9:15
